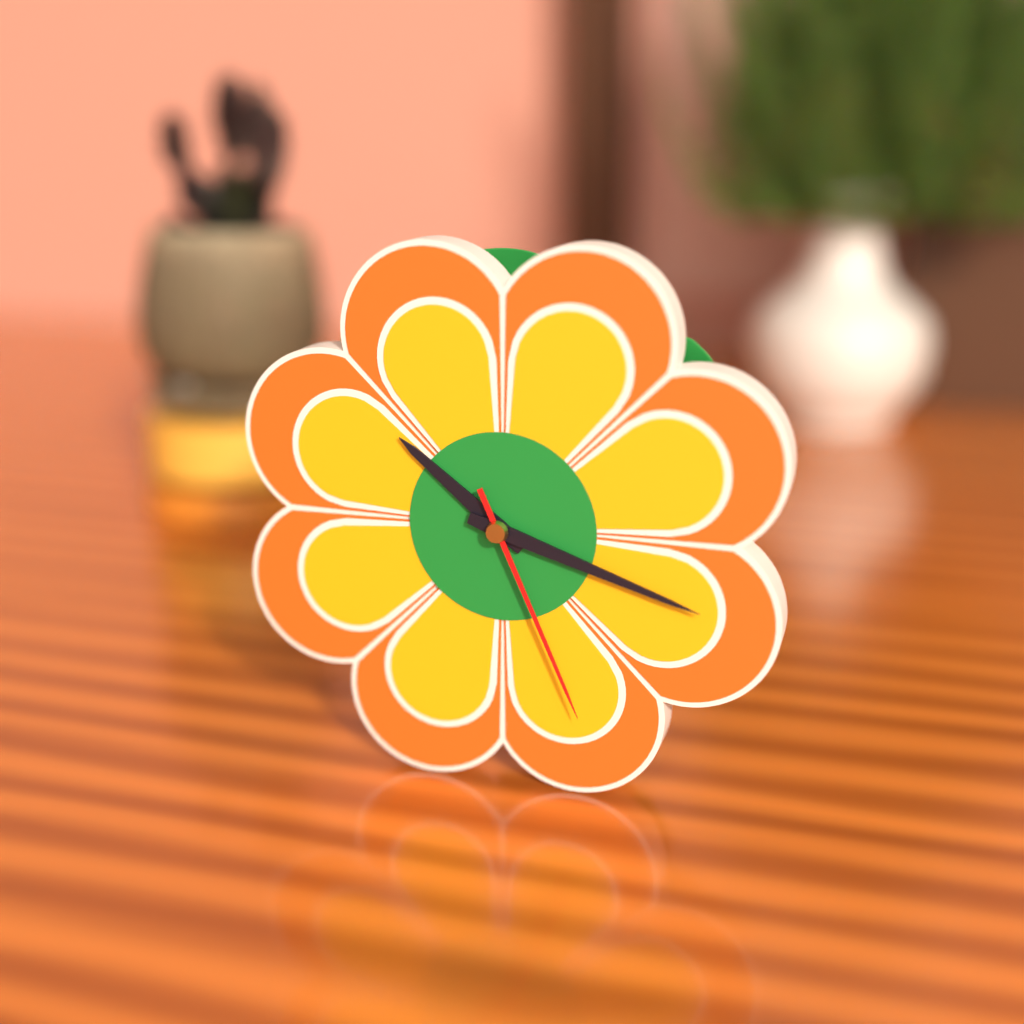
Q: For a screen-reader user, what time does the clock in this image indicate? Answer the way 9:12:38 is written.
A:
10:18:26
